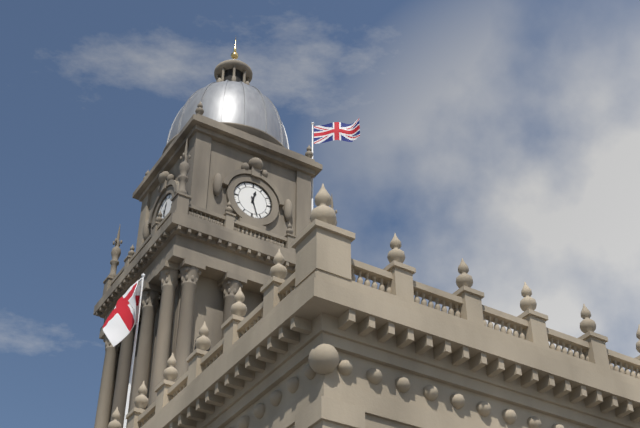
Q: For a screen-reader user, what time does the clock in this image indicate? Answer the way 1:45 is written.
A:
12:27
